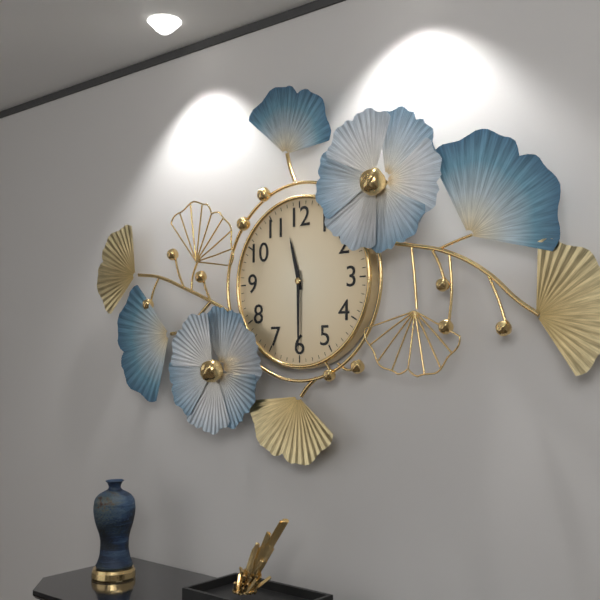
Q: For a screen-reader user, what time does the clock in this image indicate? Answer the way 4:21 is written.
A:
11:30
